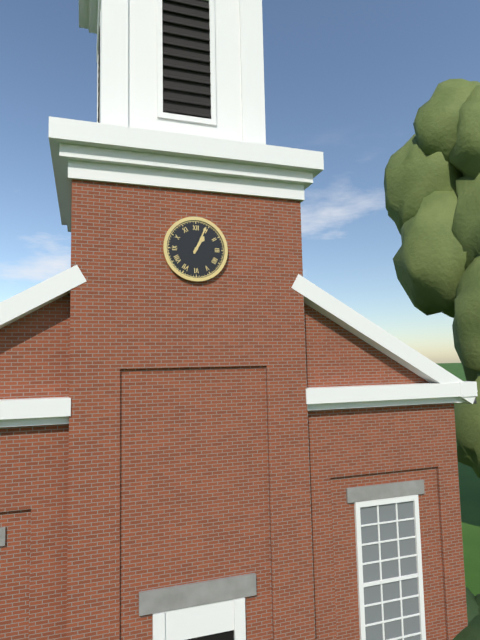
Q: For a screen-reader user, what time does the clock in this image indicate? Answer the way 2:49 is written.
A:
1:04
